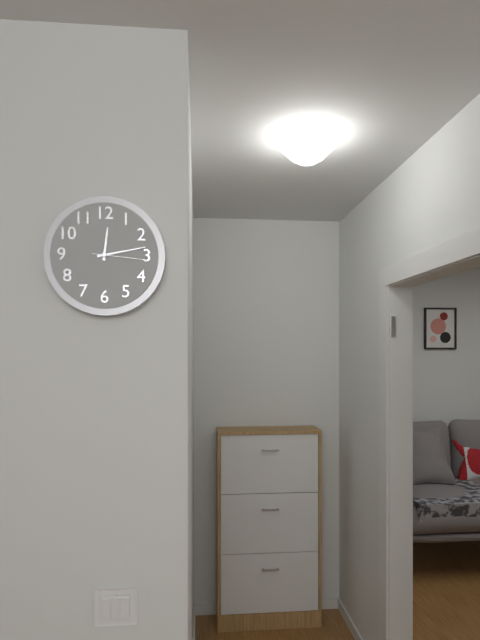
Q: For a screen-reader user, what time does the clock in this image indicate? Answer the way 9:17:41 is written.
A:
12:13:16
